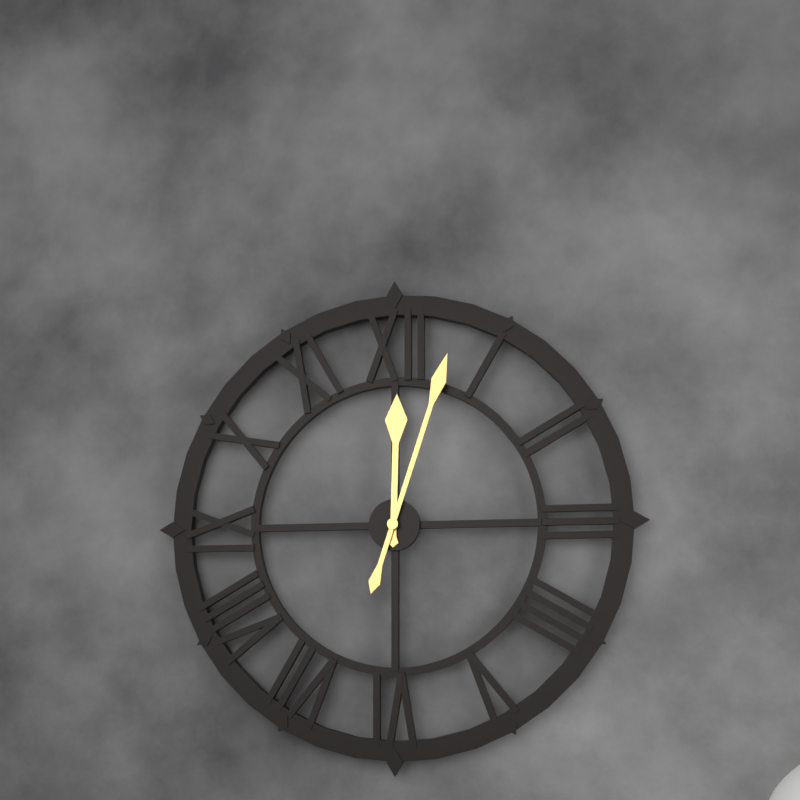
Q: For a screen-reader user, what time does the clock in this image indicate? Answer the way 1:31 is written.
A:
12:03
